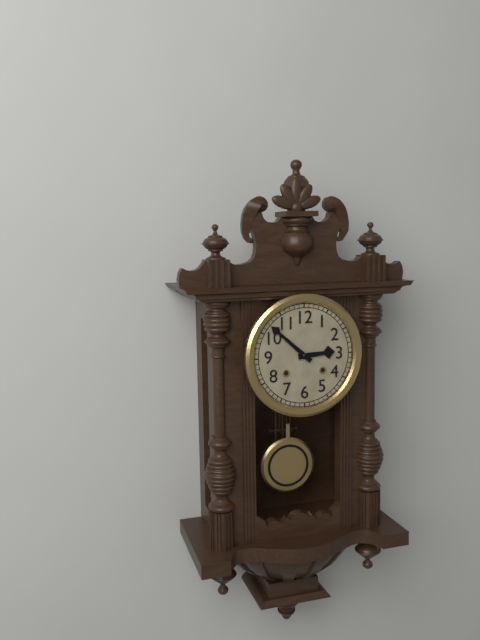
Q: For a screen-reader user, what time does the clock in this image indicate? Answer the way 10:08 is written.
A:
2:52
